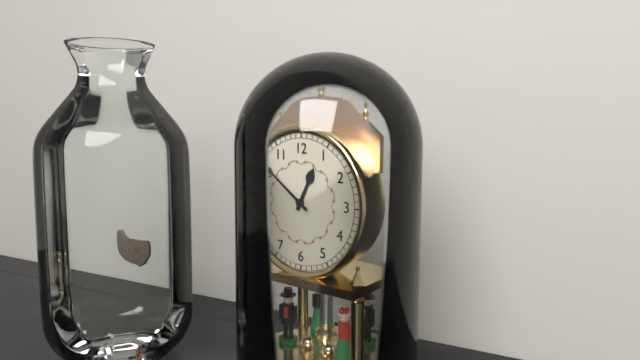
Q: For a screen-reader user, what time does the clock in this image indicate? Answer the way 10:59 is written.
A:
12:51
